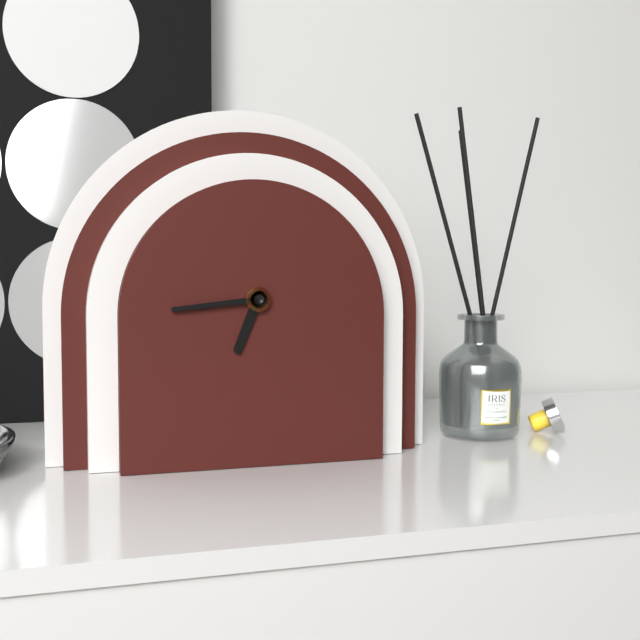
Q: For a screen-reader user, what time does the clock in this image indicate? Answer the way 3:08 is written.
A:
6:44
